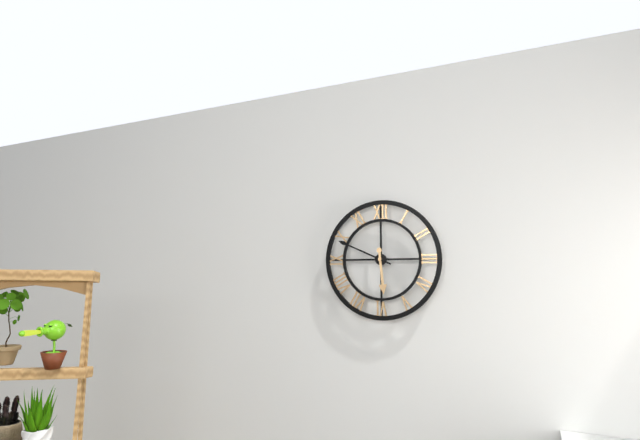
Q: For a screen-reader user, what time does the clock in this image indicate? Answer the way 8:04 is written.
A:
5:49
